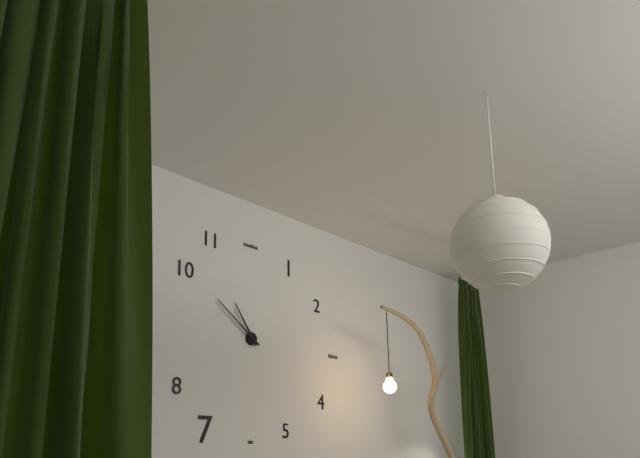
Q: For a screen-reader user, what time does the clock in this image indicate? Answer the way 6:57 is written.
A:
10:51
